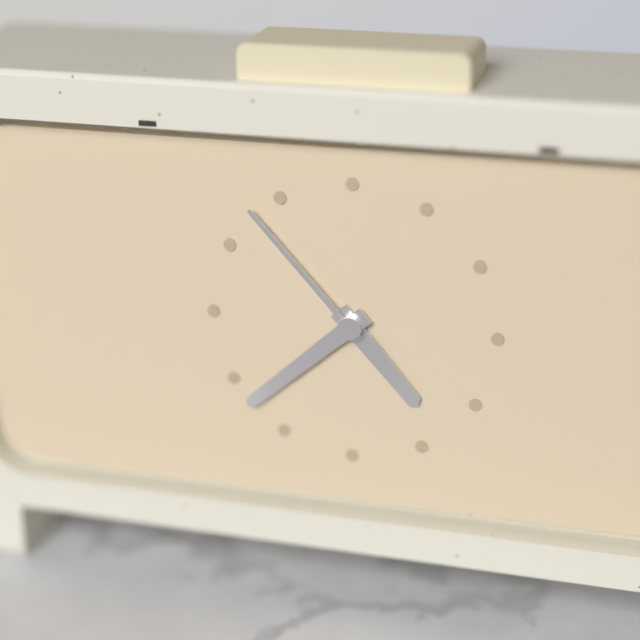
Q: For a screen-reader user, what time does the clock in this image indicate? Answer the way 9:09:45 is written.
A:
4:38:53
